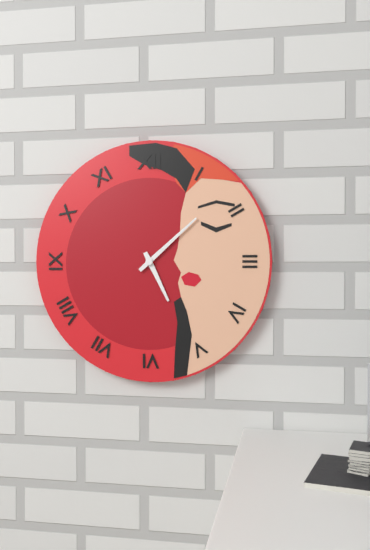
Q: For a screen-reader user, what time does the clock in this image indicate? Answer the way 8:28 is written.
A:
5:08
